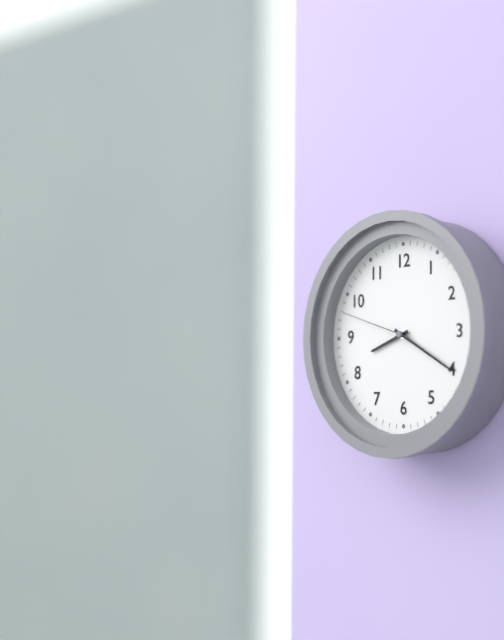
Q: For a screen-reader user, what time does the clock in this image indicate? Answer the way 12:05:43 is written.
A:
8:20:48
